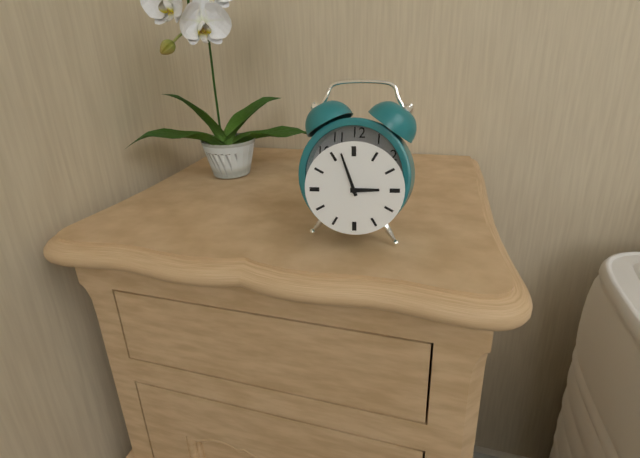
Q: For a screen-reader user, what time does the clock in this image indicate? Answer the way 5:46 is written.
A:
2:57
